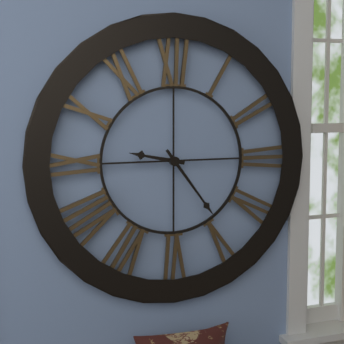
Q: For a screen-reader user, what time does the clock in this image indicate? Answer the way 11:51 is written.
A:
9:24
